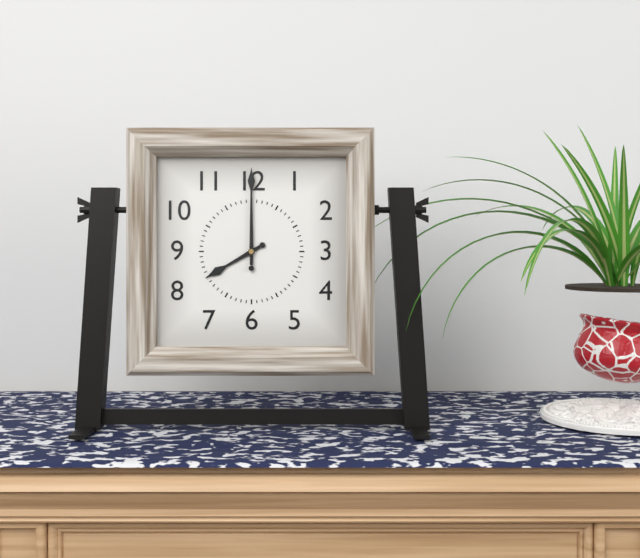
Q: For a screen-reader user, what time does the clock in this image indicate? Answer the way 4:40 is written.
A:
8:00
